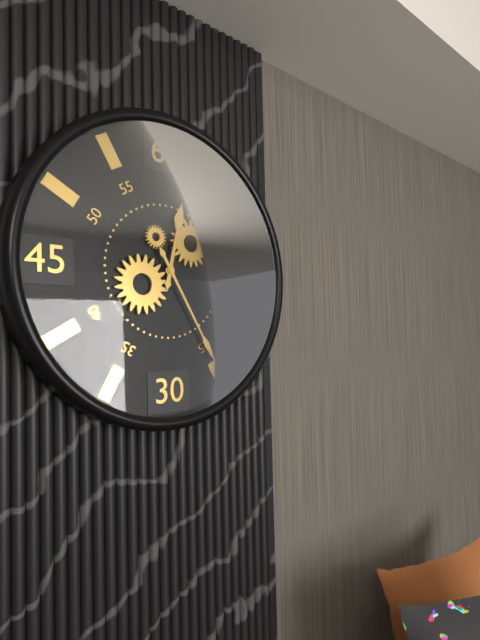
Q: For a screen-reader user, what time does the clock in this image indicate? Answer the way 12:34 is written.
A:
12:25
